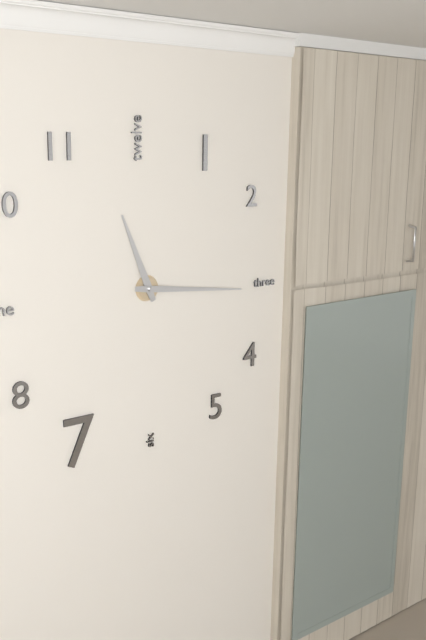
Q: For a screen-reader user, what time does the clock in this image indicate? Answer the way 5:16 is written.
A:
11:16
